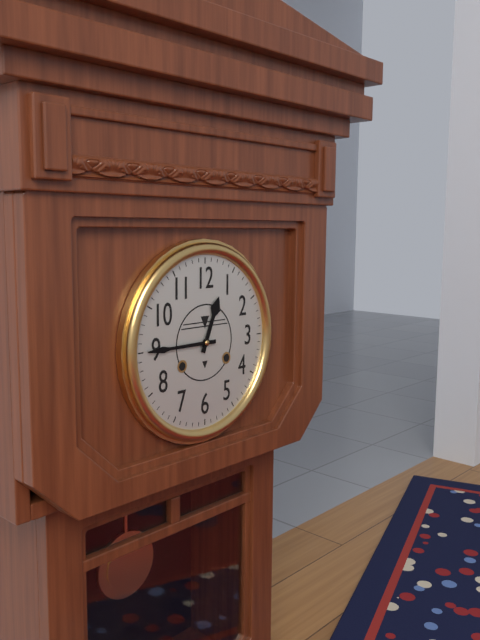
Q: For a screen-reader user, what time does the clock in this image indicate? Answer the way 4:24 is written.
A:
12:45
